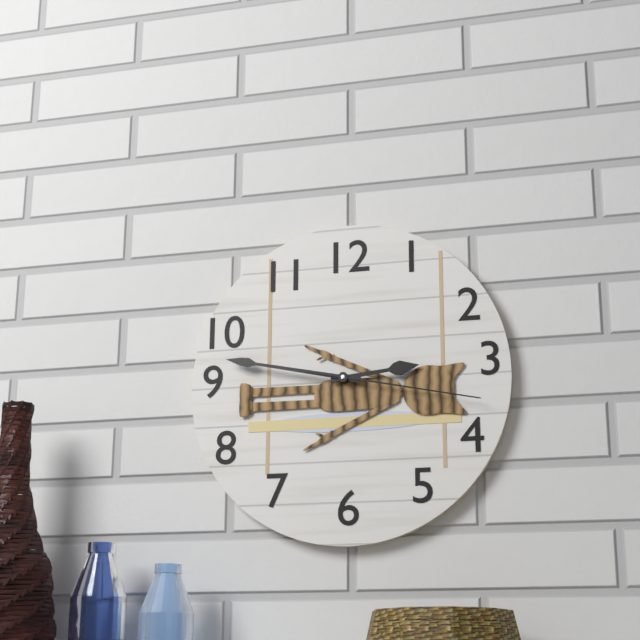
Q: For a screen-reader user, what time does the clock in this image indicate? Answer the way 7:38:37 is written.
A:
2:47:17
